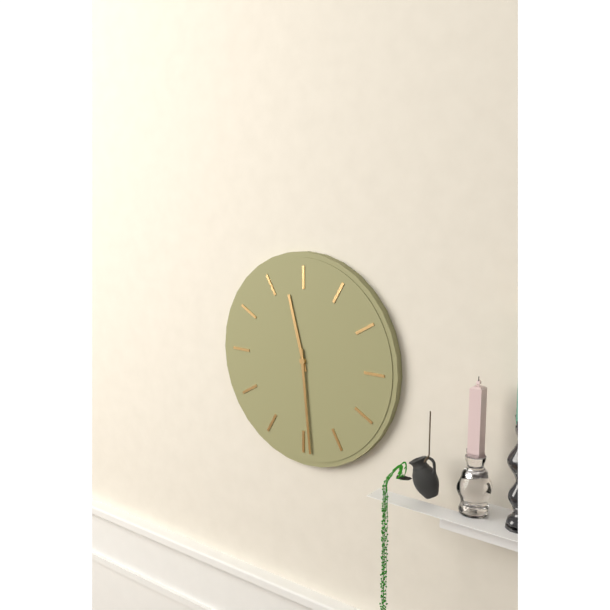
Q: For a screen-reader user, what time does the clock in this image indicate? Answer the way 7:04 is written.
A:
11:29
